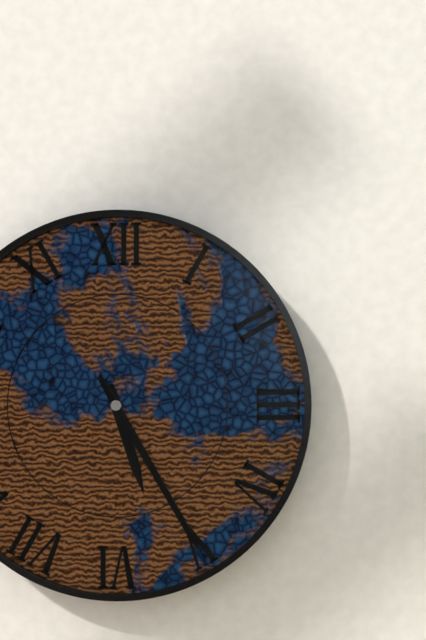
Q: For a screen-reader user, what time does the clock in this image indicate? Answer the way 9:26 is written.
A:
5:25
